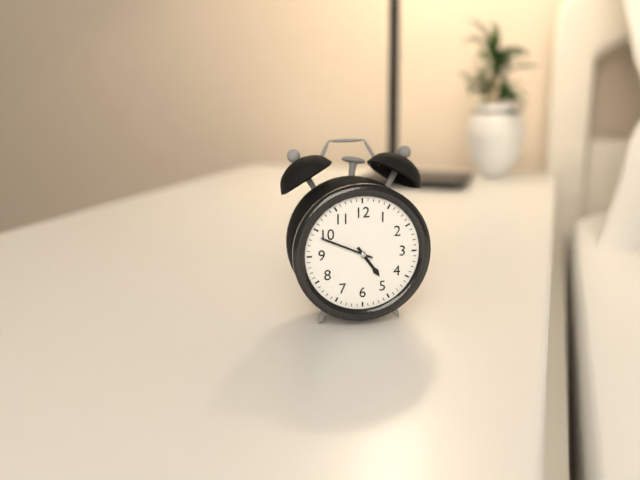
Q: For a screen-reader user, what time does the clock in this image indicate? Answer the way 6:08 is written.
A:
4:49
